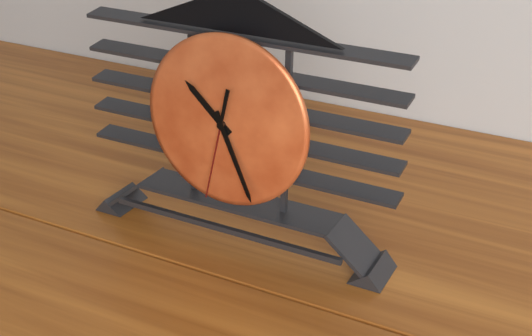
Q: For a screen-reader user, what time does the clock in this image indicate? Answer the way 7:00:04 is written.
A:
10:26:32
